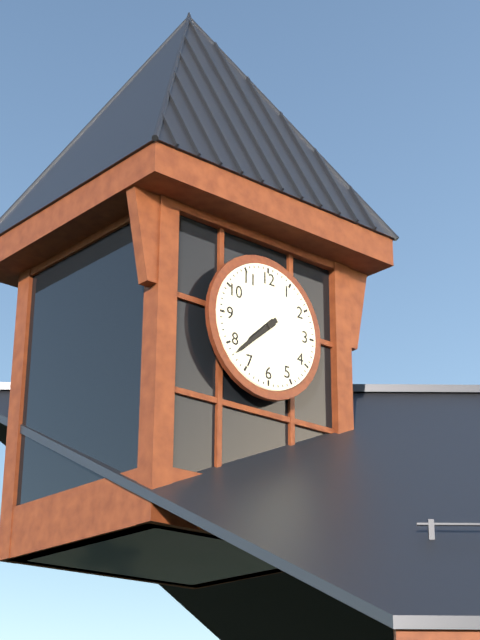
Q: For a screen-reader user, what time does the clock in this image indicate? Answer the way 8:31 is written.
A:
7:38
